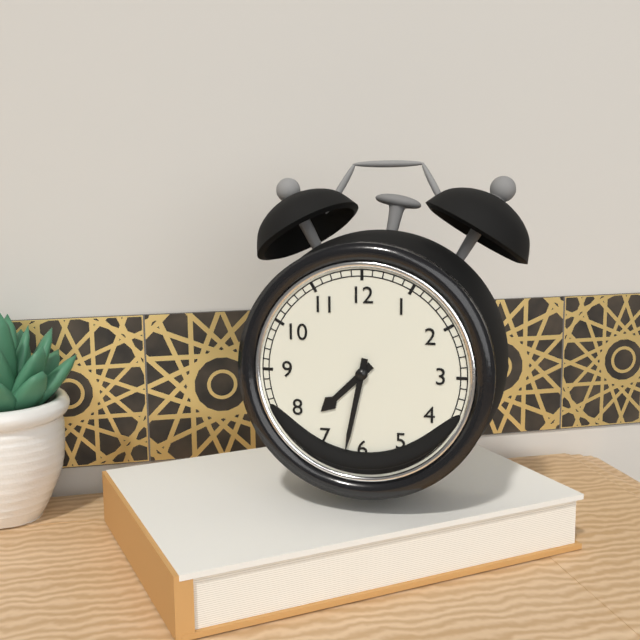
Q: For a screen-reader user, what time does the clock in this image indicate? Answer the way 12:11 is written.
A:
7:32
